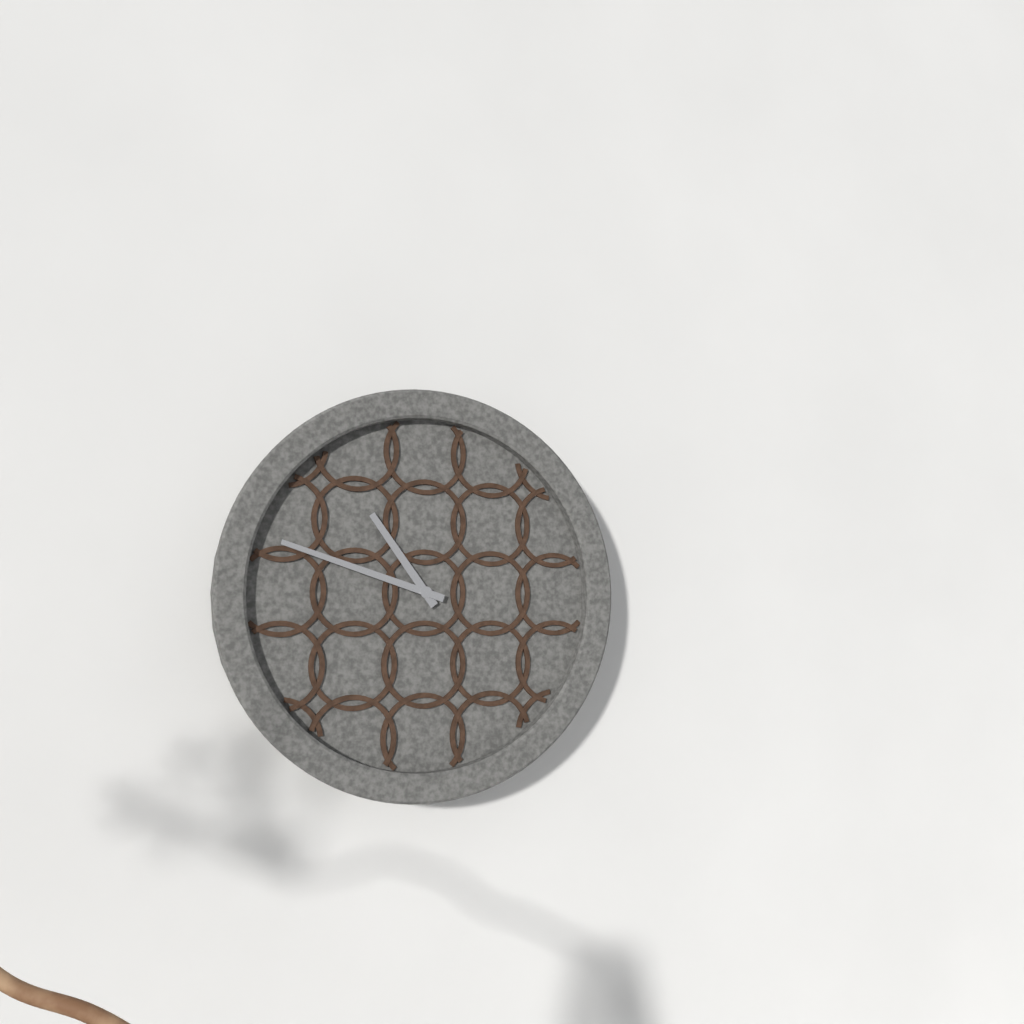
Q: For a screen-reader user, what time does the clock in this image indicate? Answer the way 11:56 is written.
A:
10:48
